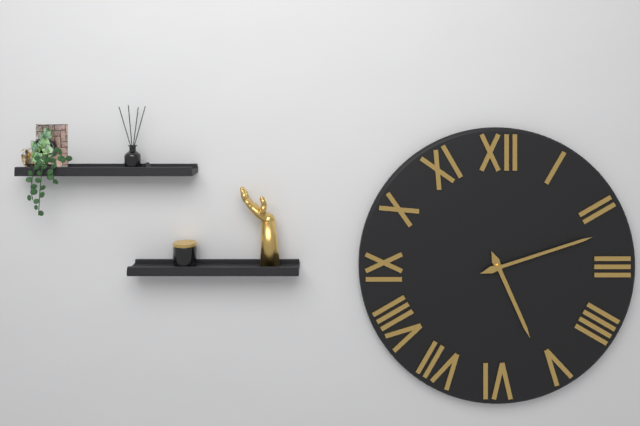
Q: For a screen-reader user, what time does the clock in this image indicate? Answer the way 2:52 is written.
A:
5:12
